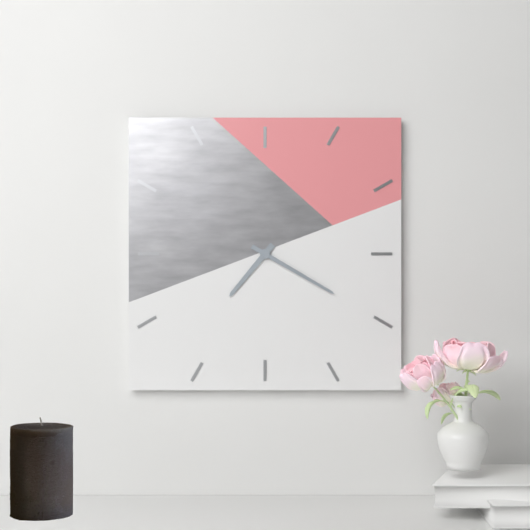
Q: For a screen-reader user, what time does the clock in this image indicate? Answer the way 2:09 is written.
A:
7:20
